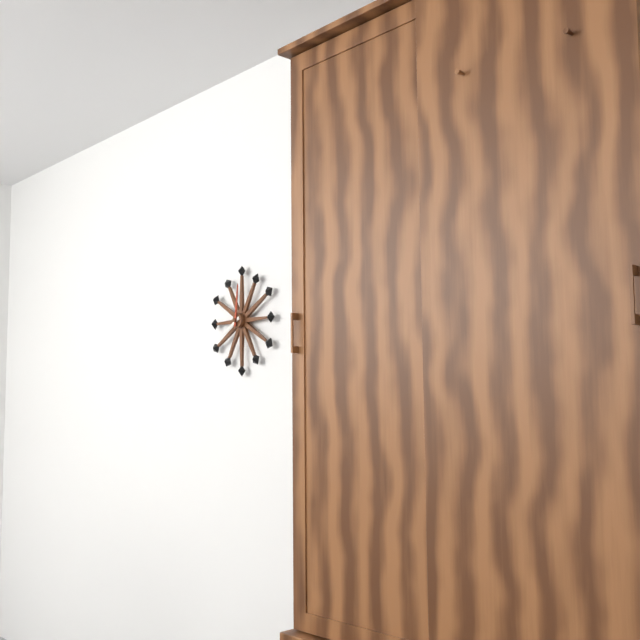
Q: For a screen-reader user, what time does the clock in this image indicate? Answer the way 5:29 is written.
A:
8:01
